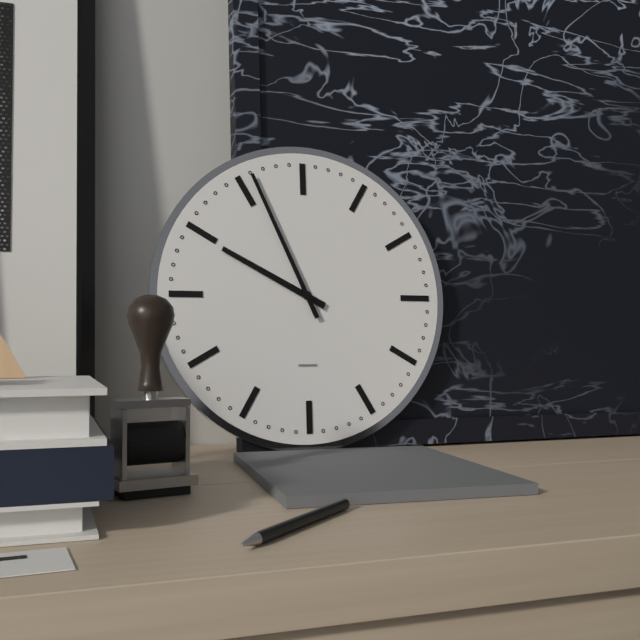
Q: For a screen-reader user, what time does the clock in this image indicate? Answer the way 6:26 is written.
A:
9:56
